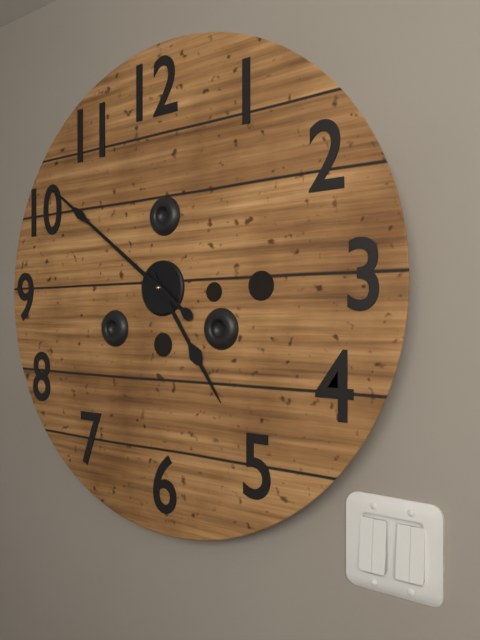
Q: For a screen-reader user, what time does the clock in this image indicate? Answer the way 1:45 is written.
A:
4:51
